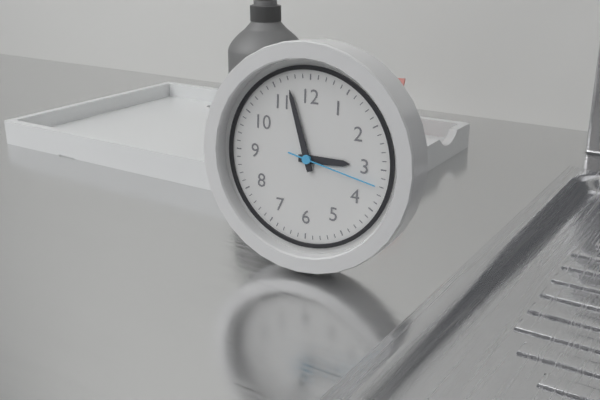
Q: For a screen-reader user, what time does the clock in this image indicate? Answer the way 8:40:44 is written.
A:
2:57:17
